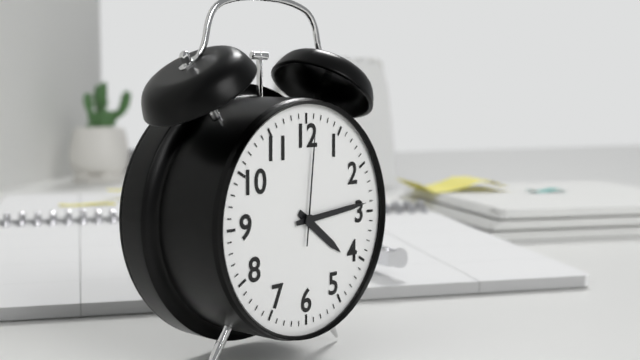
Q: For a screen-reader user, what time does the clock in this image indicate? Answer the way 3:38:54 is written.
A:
4:14:01
